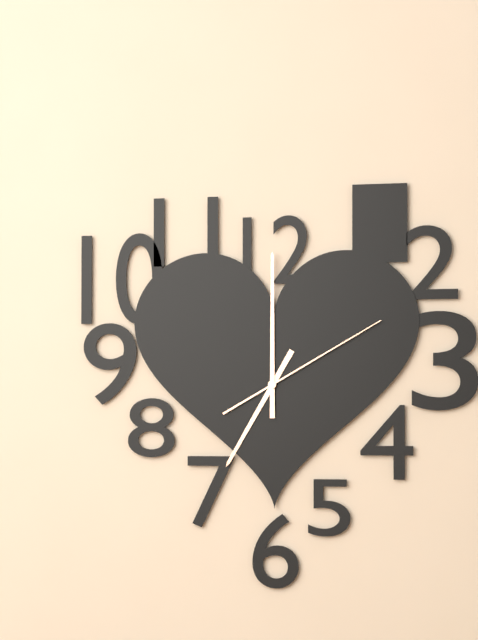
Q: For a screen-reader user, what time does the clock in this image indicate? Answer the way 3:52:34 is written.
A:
7:00:10
